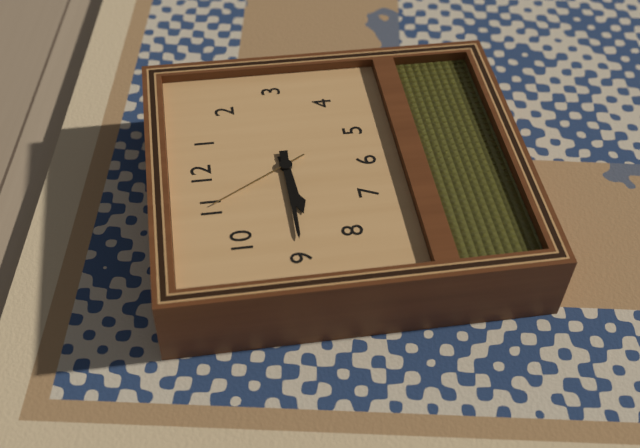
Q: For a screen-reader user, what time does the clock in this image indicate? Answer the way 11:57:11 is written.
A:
8:45:55
